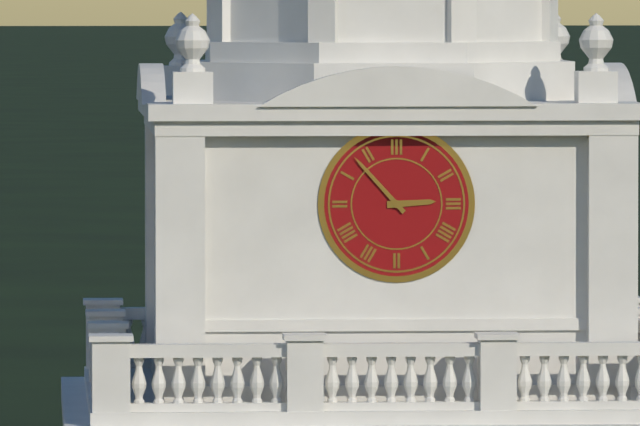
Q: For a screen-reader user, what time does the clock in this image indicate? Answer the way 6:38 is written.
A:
2:53
